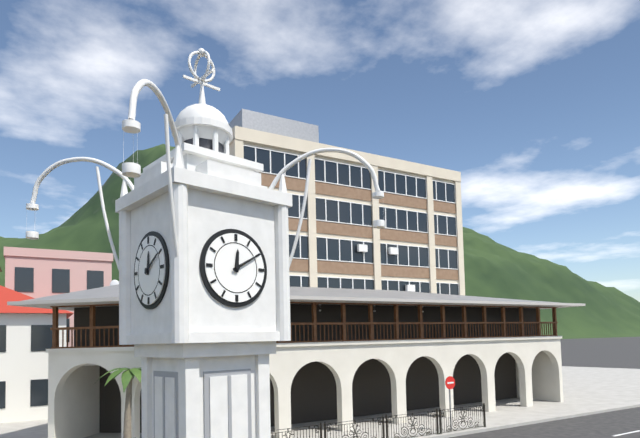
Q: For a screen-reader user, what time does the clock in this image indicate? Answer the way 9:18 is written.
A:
12:10
